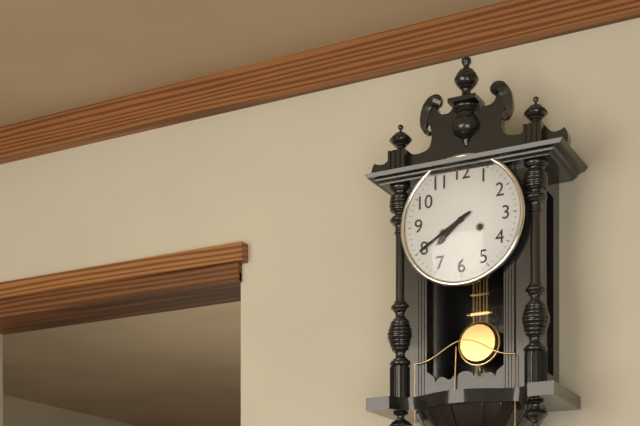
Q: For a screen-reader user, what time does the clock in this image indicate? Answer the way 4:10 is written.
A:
7:40
